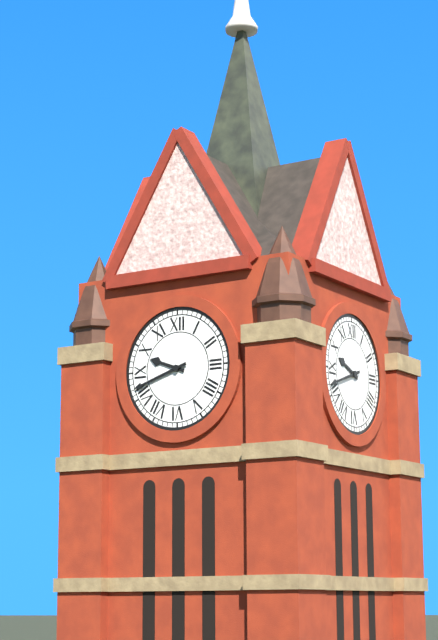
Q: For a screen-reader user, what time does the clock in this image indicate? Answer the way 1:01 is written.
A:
9:42
